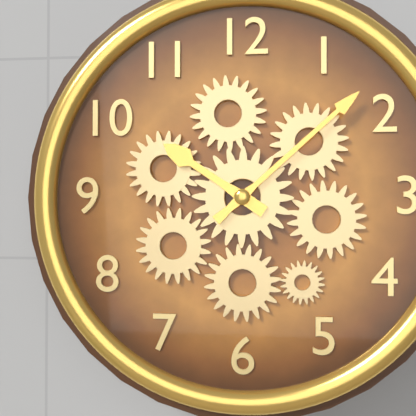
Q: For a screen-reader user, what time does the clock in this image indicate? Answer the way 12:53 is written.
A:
10:08
